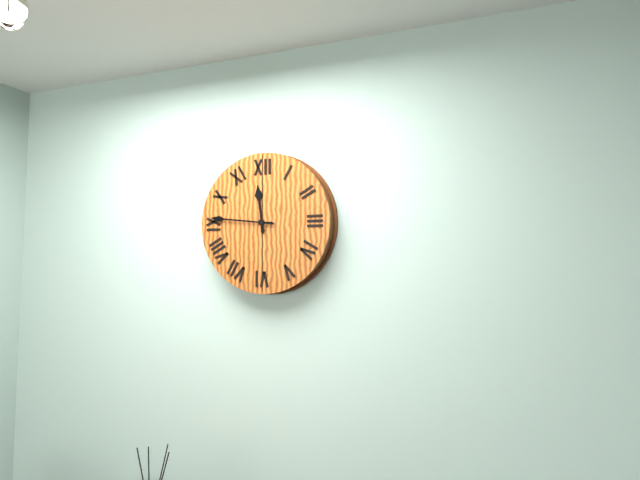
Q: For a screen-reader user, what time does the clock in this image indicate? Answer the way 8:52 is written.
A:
11:46
